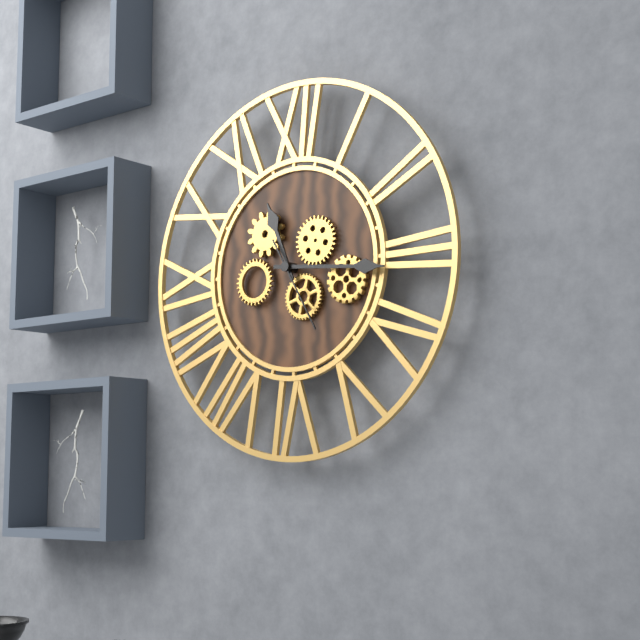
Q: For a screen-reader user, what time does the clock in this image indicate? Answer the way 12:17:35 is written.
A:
11:16:25
